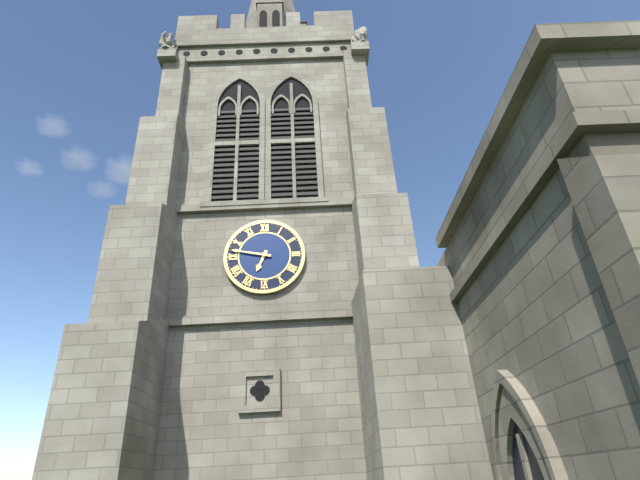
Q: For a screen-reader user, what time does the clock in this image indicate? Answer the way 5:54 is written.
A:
6:47
